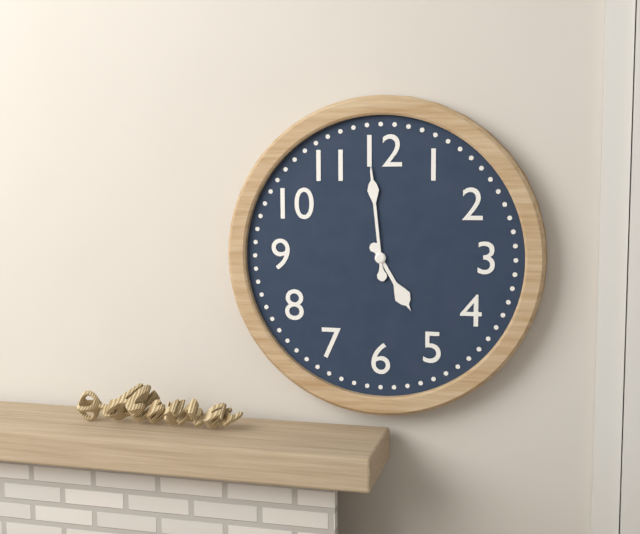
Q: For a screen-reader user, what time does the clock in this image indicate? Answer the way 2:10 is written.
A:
4:59
